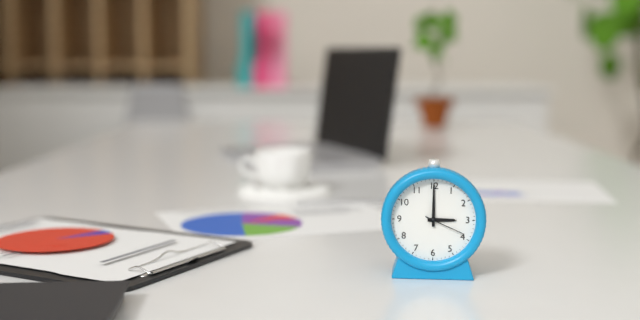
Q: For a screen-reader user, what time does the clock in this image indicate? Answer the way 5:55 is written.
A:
3:00
